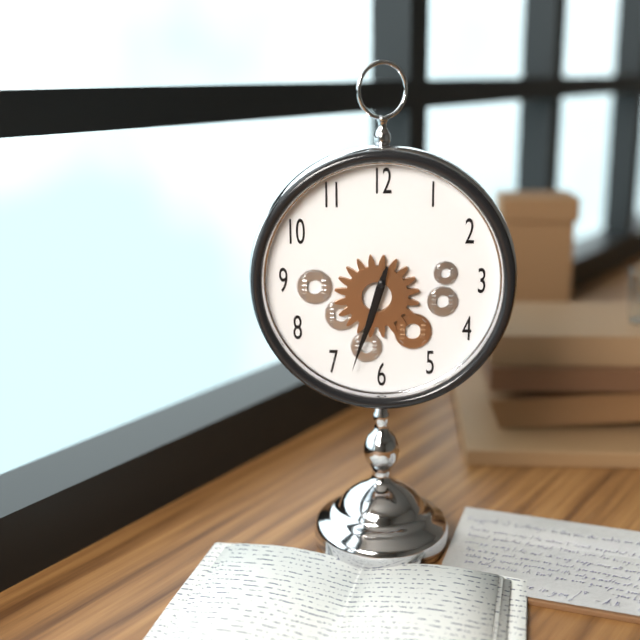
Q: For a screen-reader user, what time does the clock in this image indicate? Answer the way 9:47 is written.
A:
6:33
